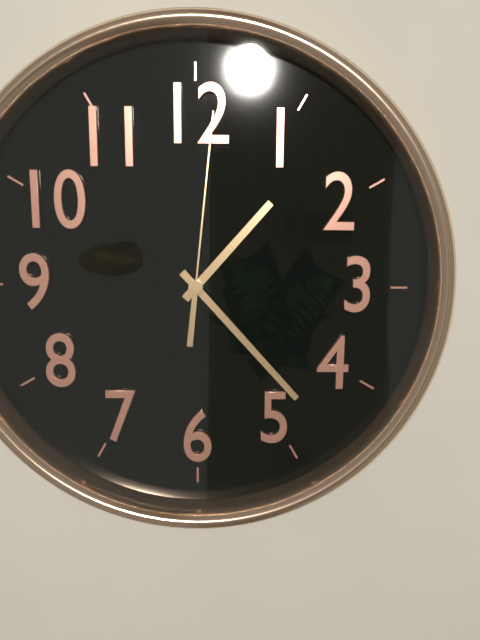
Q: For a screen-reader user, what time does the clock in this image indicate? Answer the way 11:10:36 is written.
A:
1:23:01
